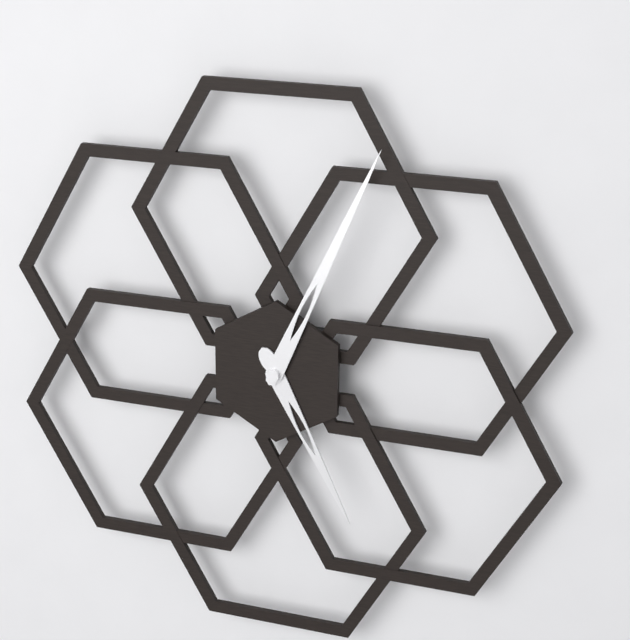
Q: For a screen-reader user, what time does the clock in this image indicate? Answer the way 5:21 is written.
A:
5:04
